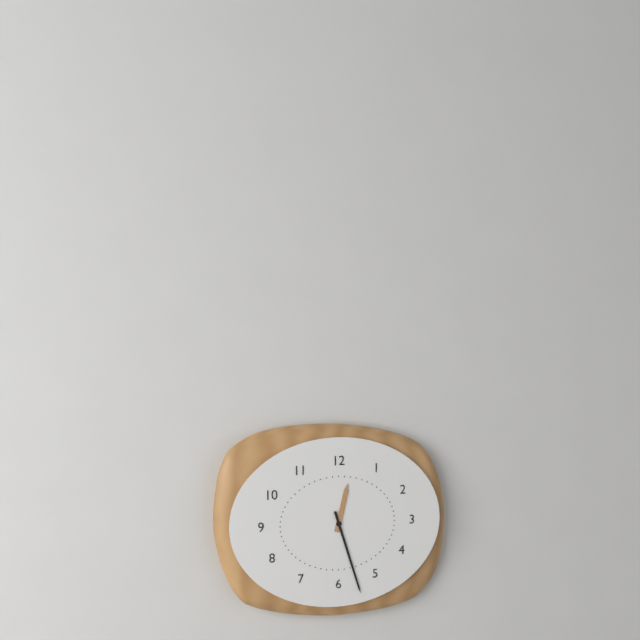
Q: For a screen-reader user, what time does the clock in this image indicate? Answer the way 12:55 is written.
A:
12:27
